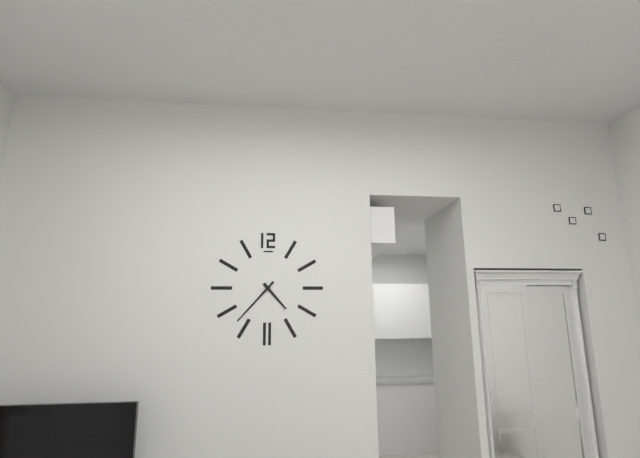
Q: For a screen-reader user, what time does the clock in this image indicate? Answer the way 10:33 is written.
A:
4:37
